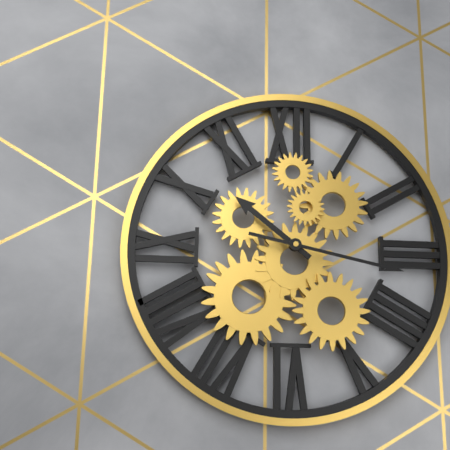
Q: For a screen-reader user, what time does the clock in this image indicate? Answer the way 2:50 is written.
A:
10:17
